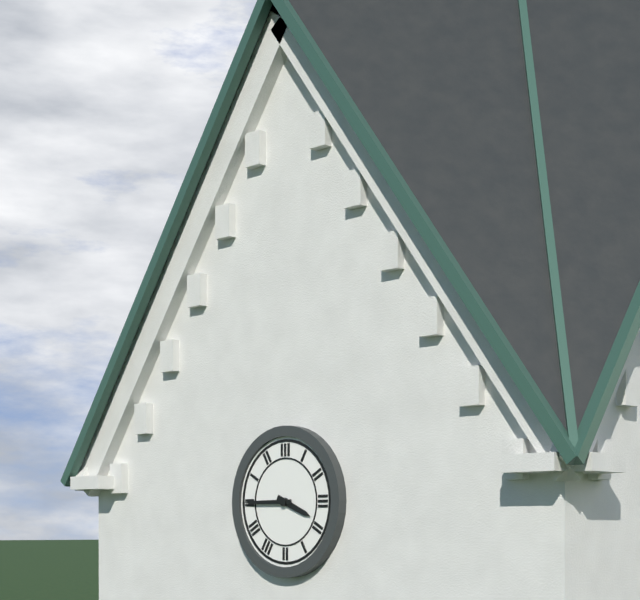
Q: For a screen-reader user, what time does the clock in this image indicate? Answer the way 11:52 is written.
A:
3:45
